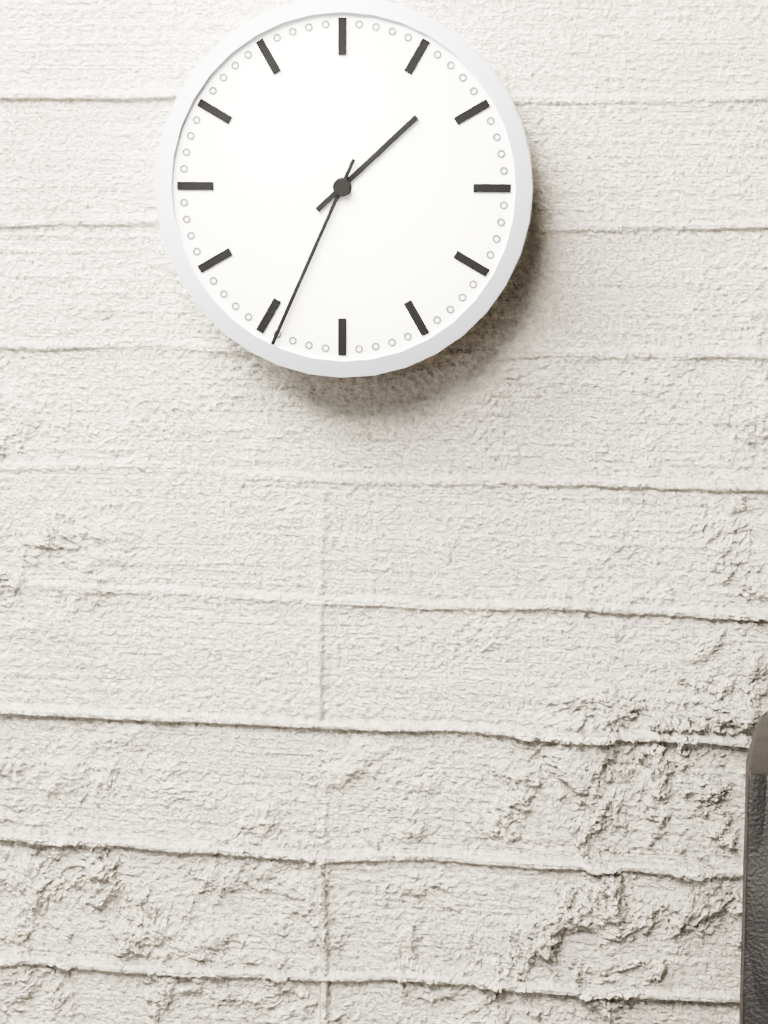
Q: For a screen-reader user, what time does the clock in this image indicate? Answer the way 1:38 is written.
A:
1:34
